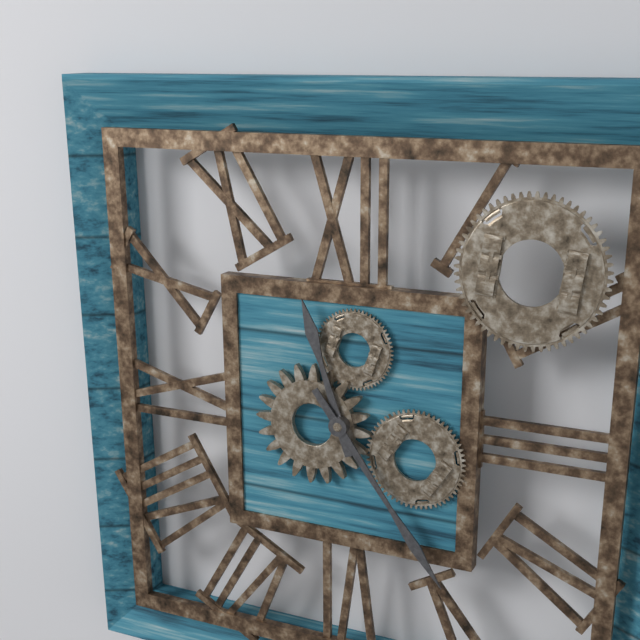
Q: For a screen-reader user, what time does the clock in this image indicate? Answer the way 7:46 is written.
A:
11:24
